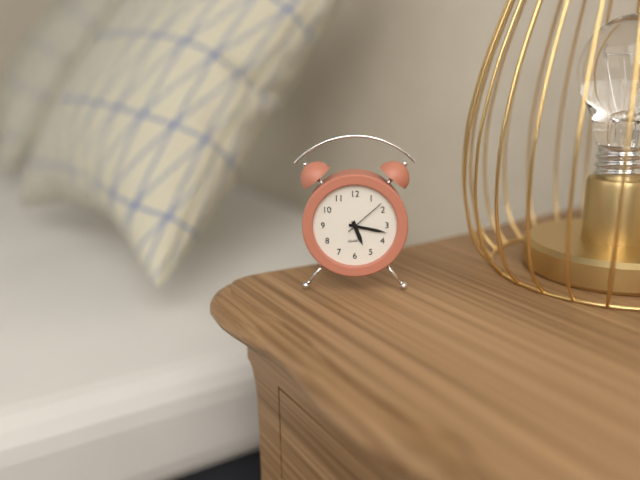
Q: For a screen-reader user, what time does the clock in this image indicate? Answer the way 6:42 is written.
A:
5:17
